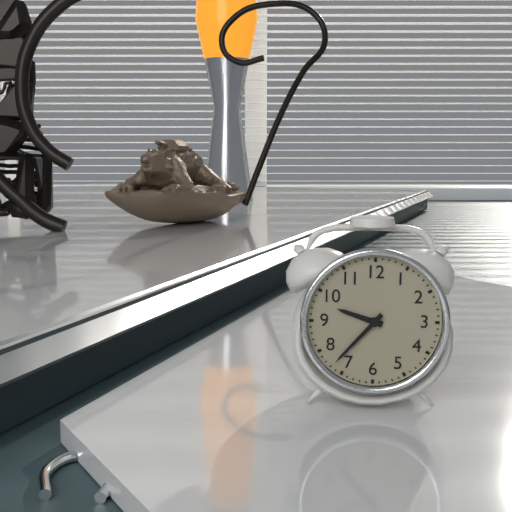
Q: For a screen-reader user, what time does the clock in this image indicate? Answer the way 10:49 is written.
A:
9:37
